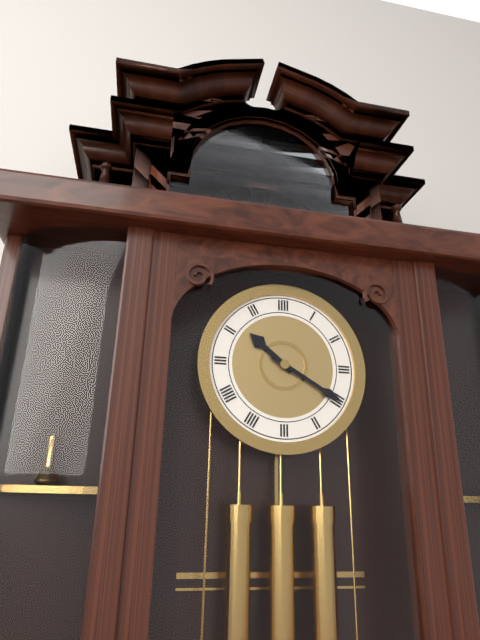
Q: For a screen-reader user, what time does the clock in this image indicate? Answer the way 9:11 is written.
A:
10:20
